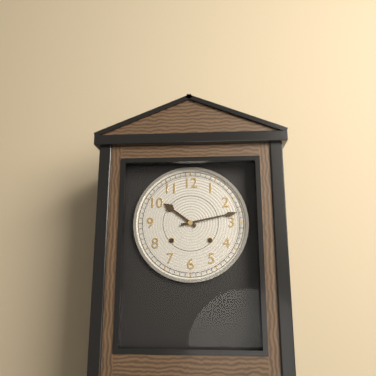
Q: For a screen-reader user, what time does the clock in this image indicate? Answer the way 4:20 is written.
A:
10:13
